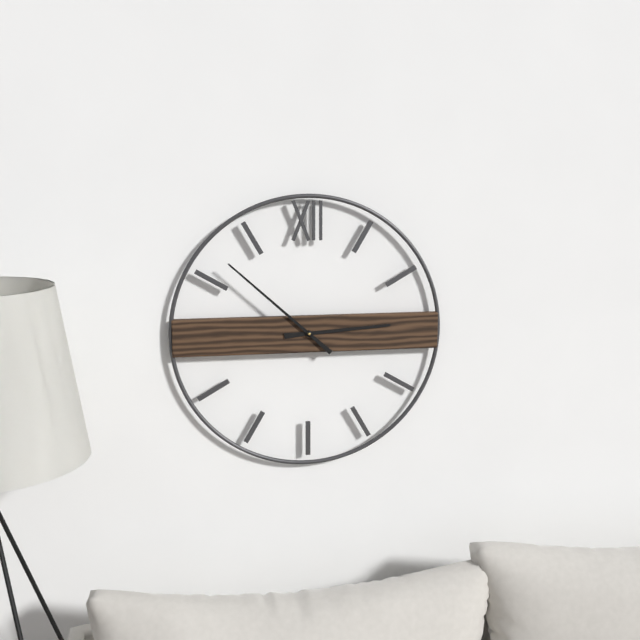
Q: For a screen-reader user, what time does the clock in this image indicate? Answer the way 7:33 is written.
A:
2:52
